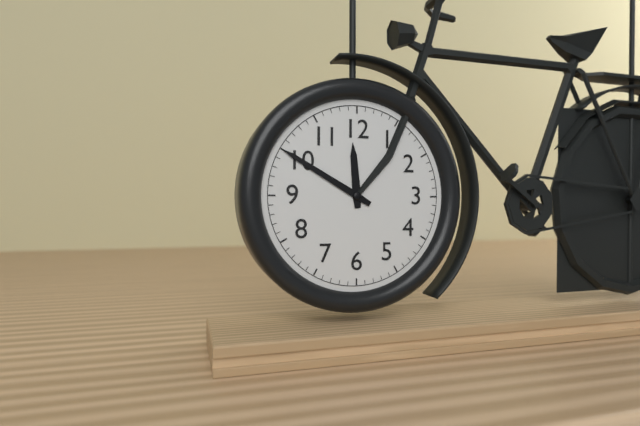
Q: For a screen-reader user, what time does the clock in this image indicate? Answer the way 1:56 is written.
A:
11:50
